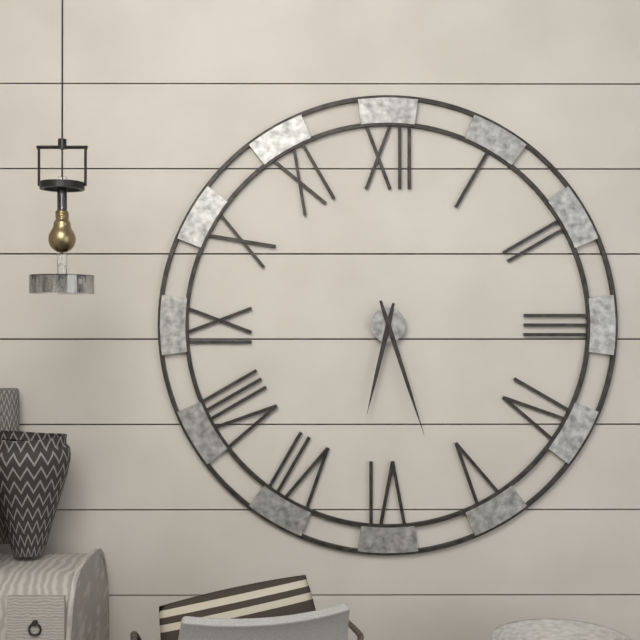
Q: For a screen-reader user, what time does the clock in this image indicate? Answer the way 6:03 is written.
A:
6:27
